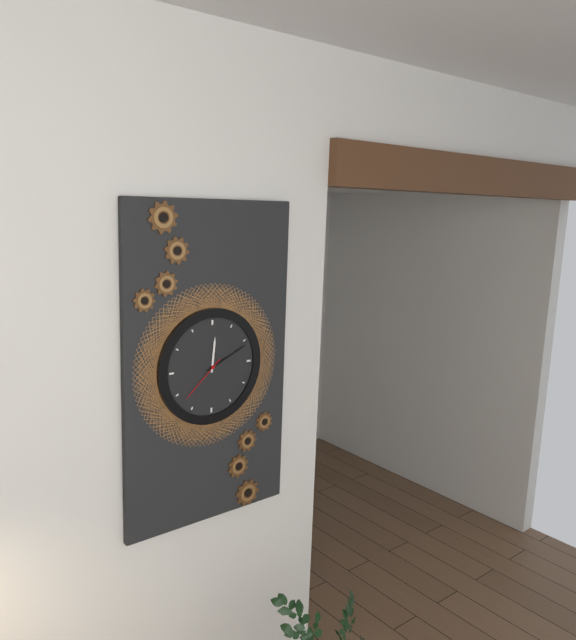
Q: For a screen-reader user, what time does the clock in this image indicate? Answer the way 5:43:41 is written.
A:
12:11:38
